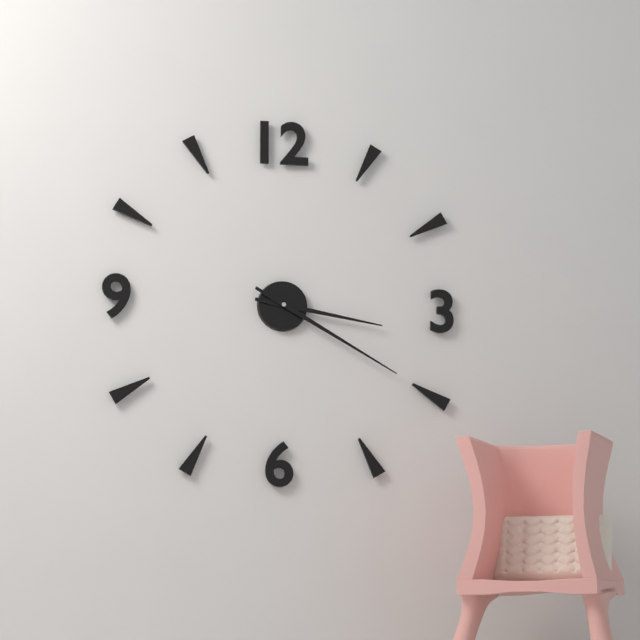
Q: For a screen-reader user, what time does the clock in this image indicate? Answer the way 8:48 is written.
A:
3:20
